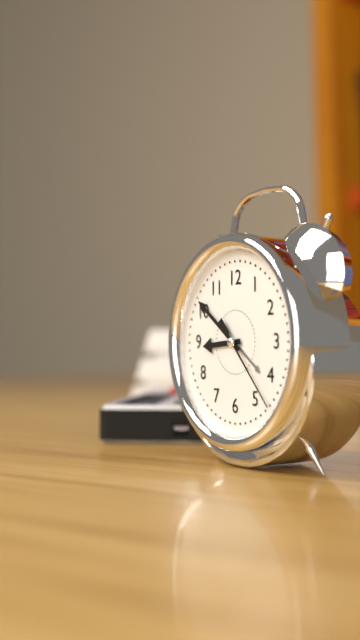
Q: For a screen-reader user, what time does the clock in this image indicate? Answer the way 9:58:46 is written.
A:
8:51:23
